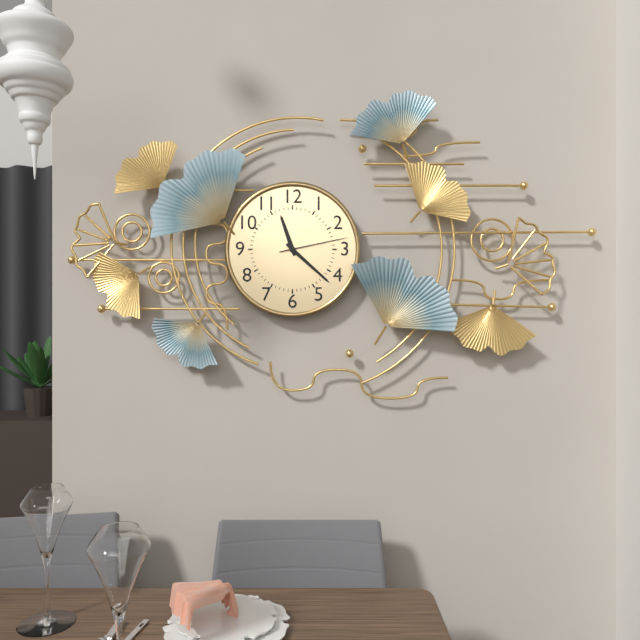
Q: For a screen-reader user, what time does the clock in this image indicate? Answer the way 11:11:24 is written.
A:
11:22:13
